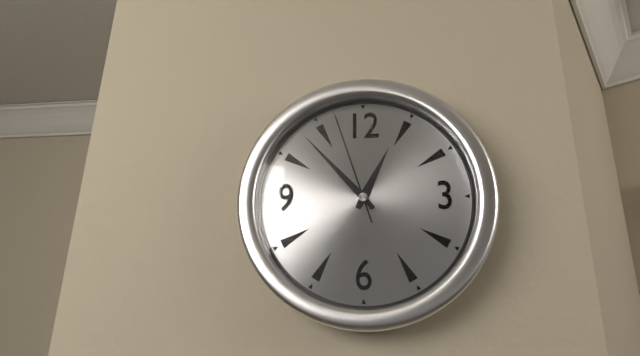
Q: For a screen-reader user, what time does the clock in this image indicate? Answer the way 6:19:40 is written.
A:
12:53:57
